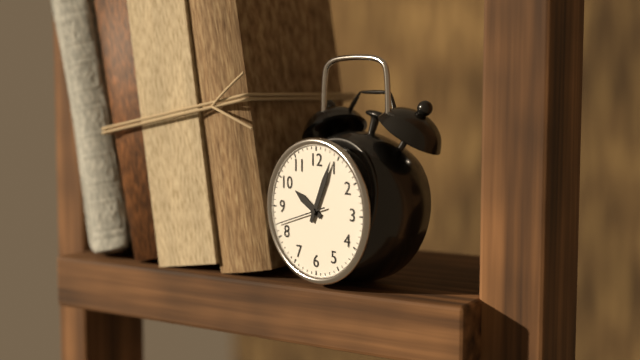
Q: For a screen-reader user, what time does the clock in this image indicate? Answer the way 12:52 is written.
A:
10:04
